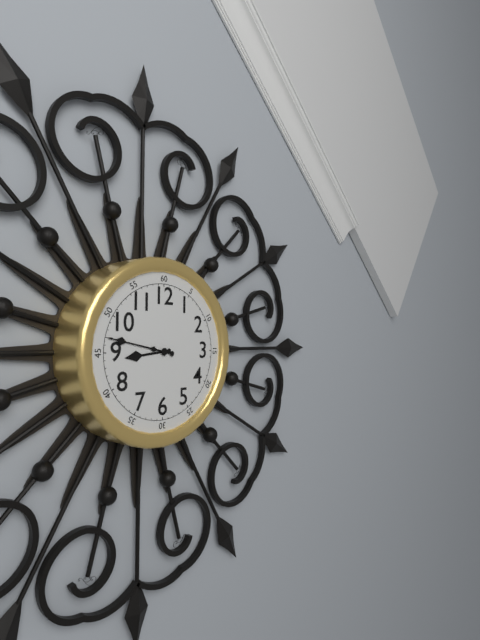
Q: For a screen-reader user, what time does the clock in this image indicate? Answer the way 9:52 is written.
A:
8:47
